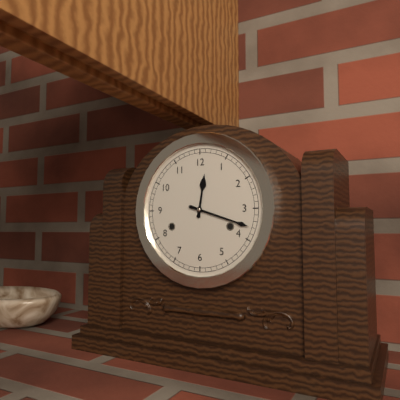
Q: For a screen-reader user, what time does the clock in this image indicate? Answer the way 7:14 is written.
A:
12:18
